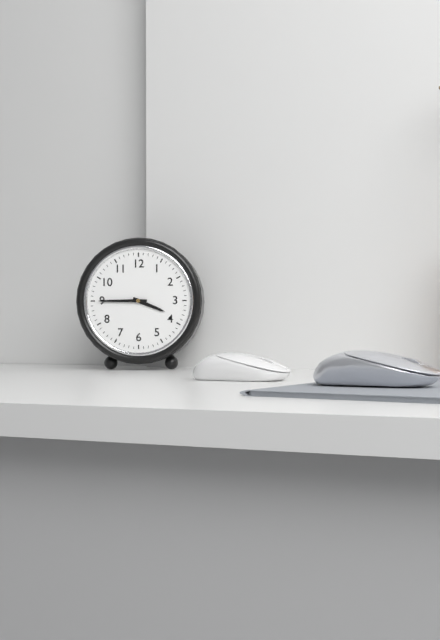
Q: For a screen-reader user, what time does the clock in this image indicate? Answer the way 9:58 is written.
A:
3:45
